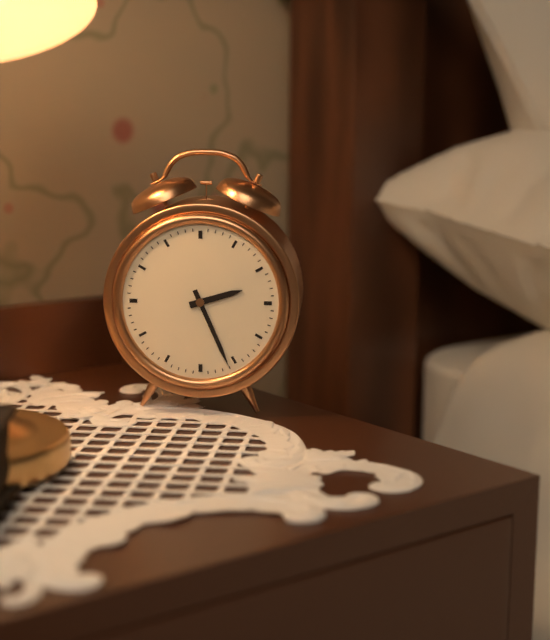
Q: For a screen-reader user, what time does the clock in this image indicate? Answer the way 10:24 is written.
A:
2:26
